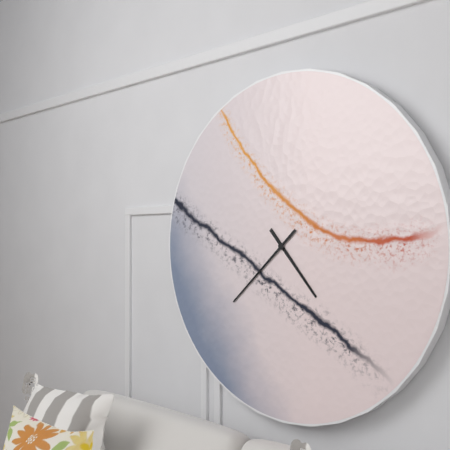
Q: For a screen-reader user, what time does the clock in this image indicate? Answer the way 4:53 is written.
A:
4:38
